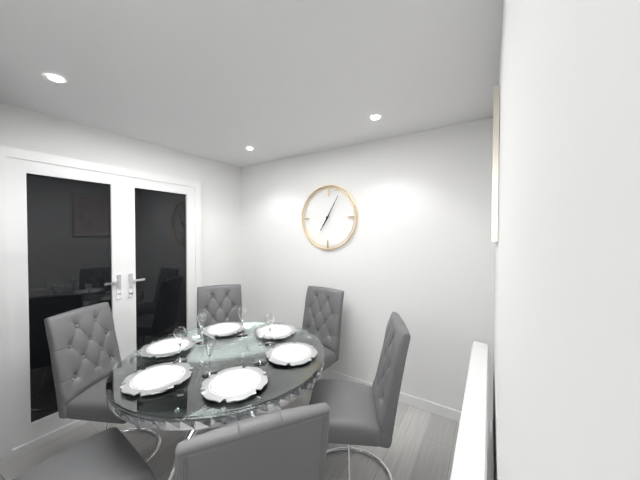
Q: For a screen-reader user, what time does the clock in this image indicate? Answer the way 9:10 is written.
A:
7:05
